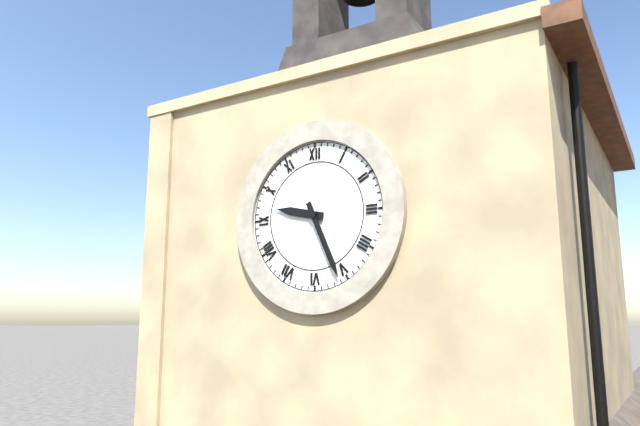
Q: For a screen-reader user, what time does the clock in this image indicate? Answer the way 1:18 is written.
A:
9:26
